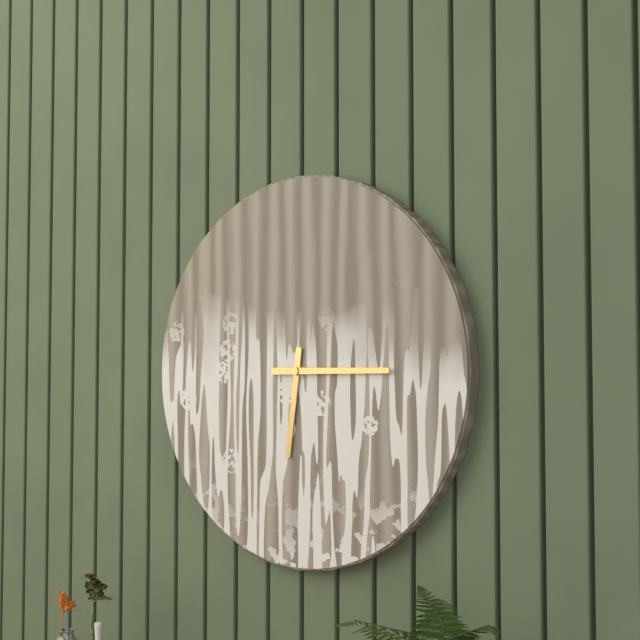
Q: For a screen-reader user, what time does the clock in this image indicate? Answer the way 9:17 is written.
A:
6:15
